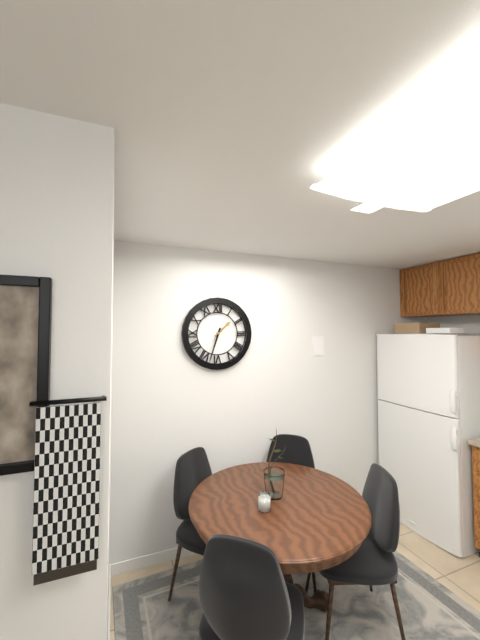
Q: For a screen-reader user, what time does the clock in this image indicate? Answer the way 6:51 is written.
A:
1:33
